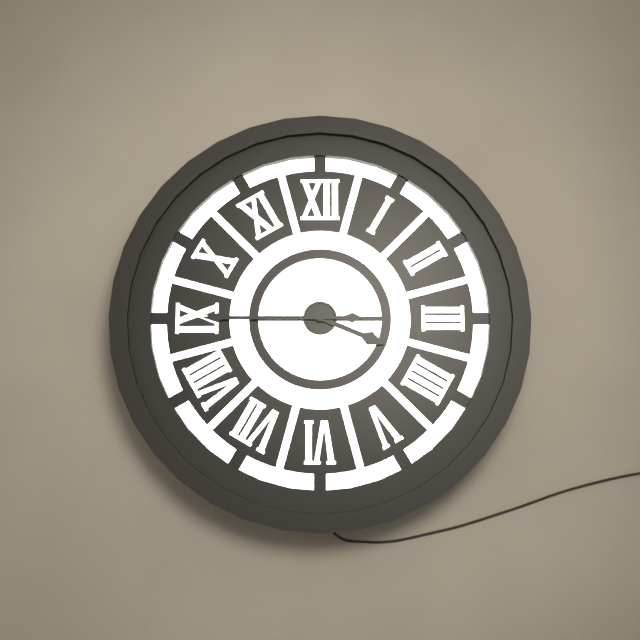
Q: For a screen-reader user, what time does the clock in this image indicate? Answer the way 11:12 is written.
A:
3:45
